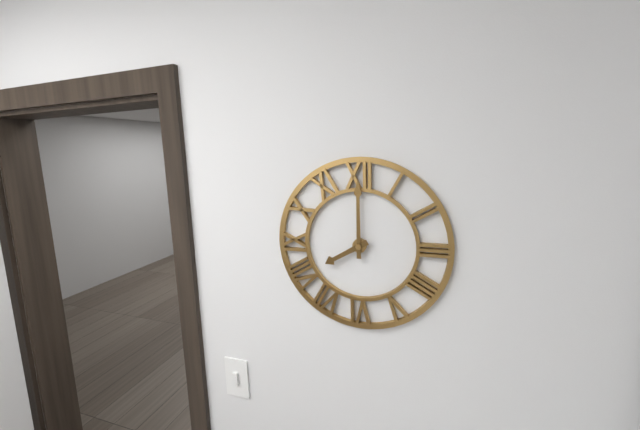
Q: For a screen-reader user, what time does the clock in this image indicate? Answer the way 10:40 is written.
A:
8:00
